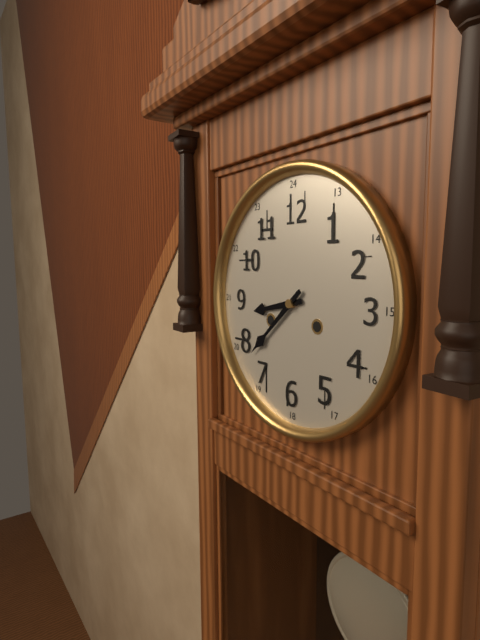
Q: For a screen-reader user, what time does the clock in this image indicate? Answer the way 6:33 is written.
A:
8:38
